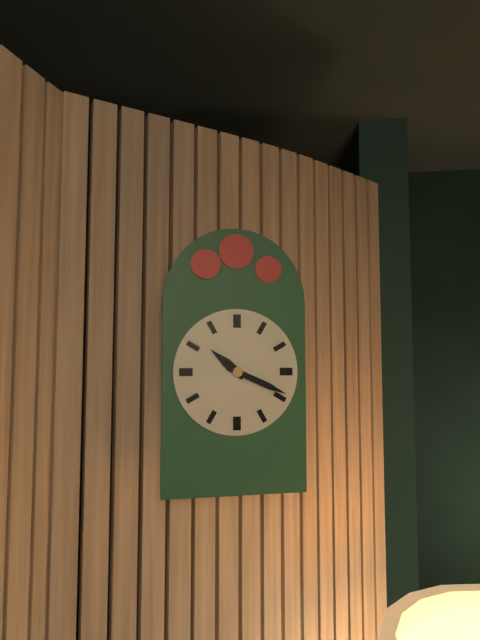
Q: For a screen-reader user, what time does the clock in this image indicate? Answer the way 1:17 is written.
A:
10:19
